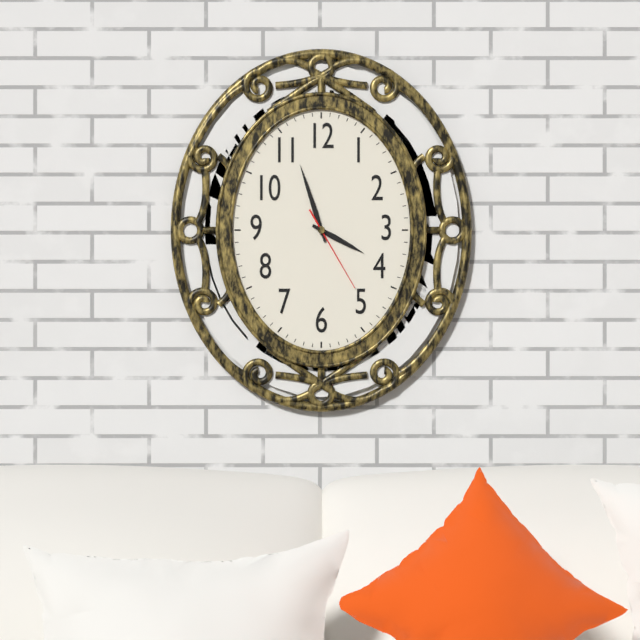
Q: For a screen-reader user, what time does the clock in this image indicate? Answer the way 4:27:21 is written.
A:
3:57:25
